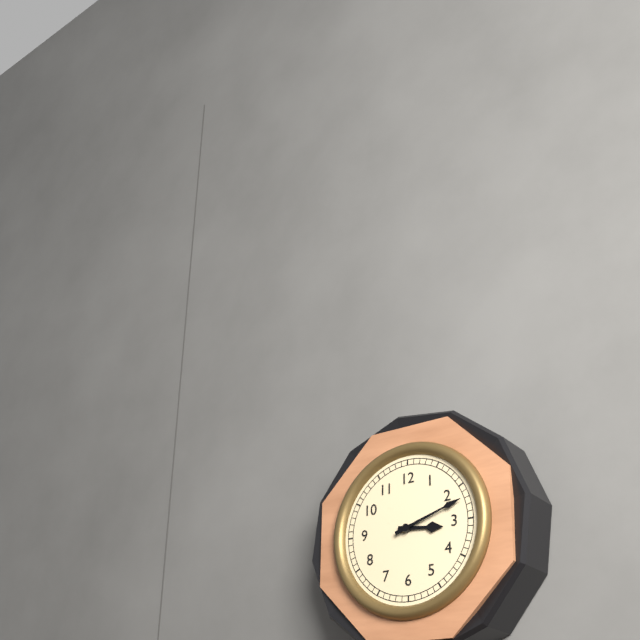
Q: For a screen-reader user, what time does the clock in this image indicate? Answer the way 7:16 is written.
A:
3:12
